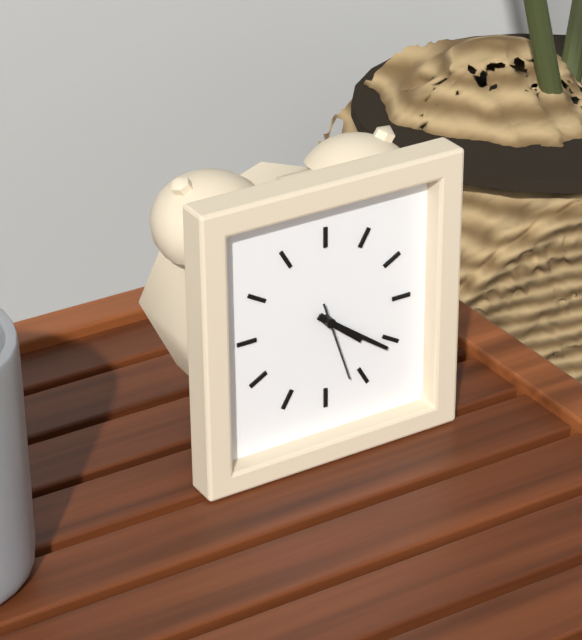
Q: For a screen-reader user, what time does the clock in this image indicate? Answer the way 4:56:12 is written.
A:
4:21:27
